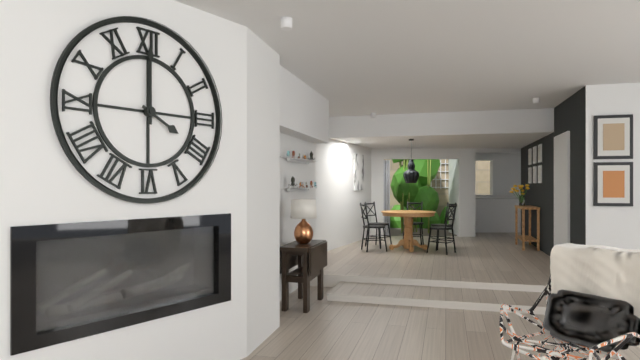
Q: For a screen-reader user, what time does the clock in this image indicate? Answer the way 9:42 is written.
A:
4:00
